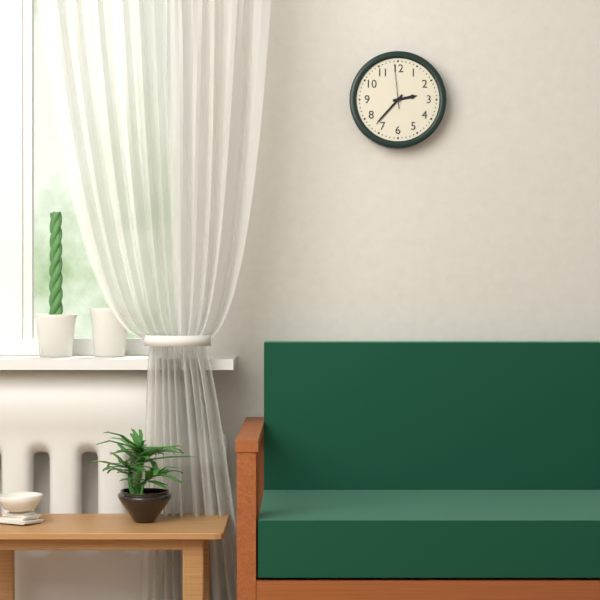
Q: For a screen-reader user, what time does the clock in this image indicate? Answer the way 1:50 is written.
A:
2:37
